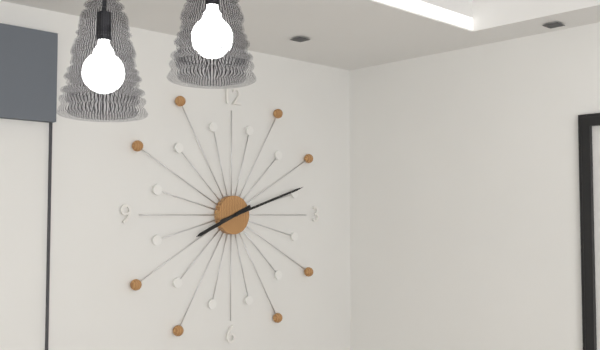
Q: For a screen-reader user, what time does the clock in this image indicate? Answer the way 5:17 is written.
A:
8:12
